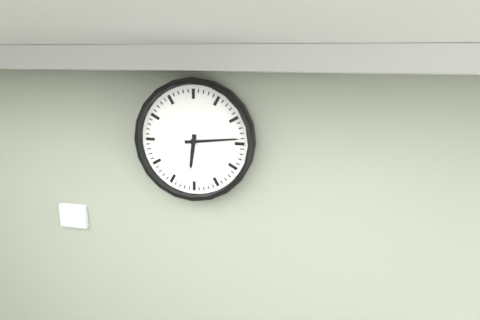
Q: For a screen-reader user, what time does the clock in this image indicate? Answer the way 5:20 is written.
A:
6:14
